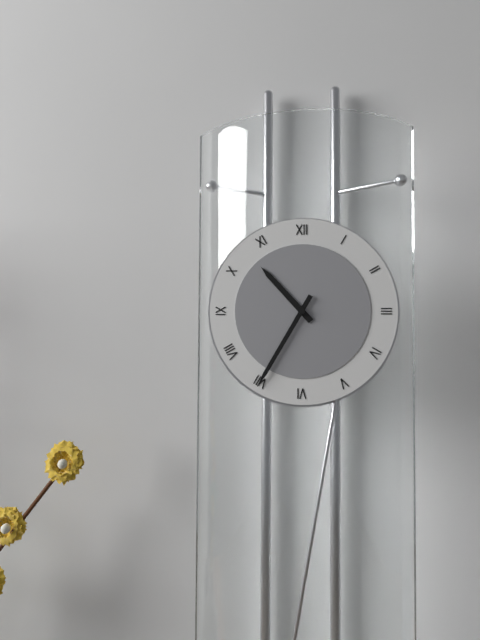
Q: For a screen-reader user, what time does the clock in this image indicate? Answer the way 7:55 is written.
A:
10:35
